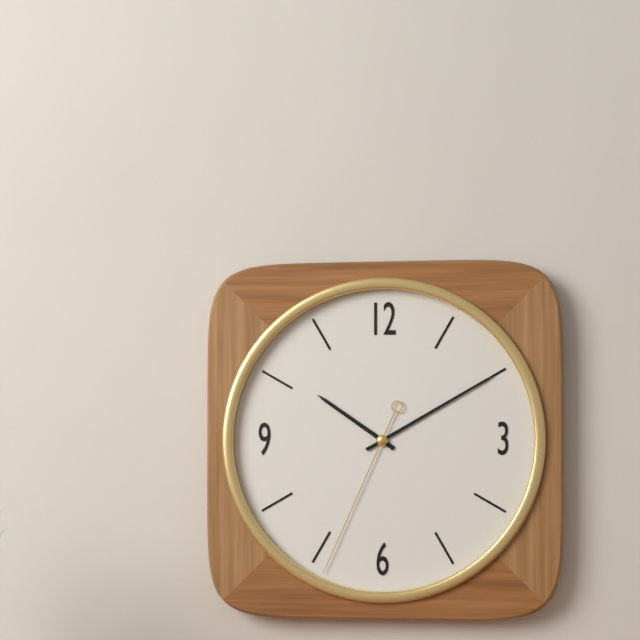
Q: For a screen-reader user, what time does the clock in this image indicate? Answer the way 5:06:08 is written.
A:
10:10:34
